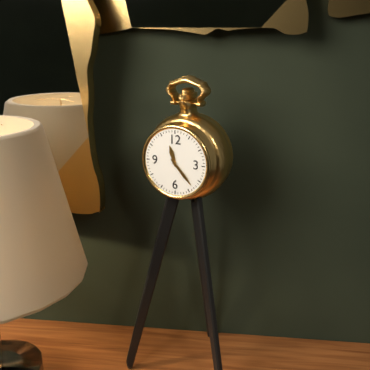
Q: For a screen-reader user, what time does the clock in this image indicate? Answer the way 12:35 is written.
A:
11:23
